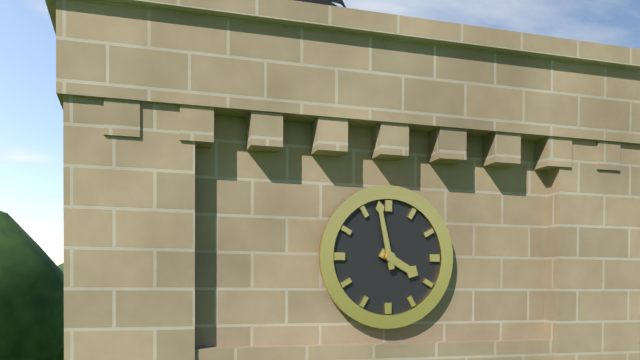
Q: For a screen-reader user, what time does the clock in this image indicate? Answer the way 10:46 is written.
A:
3:58
